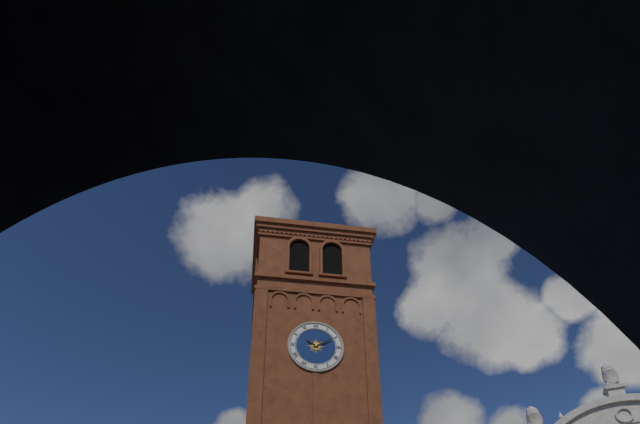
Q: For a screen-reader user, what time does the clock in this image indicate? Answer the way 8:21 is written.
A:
10:10
